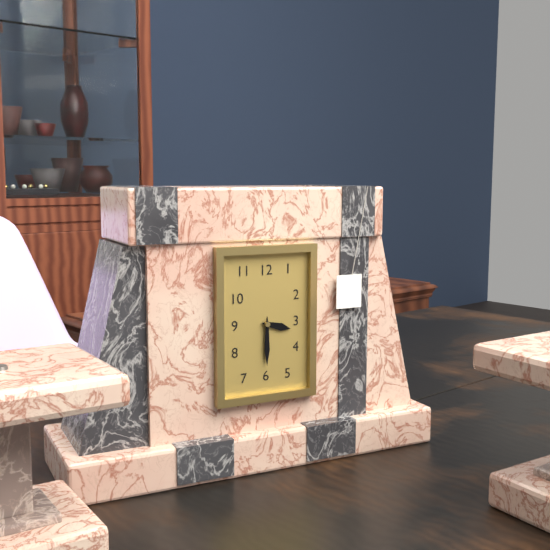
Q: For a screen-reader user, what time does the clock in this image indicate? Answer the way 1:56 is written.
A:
3:30
